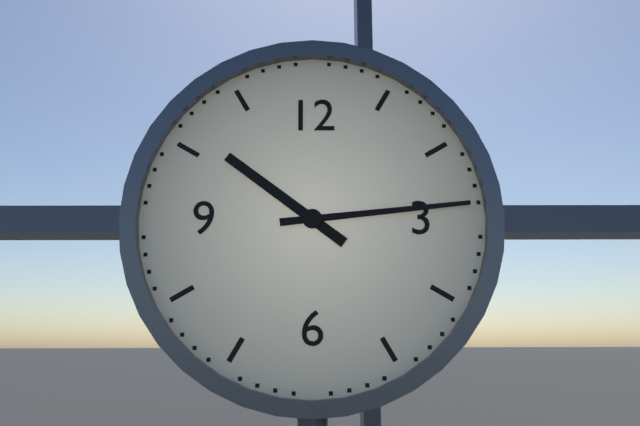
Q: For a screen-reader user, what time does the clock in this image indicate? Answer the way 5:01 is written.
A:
10:14
